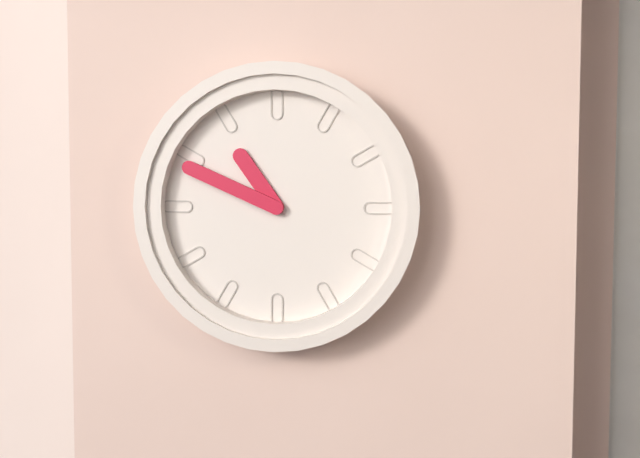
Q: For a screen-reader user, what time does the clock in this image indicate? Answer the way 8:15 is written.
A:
10:49
